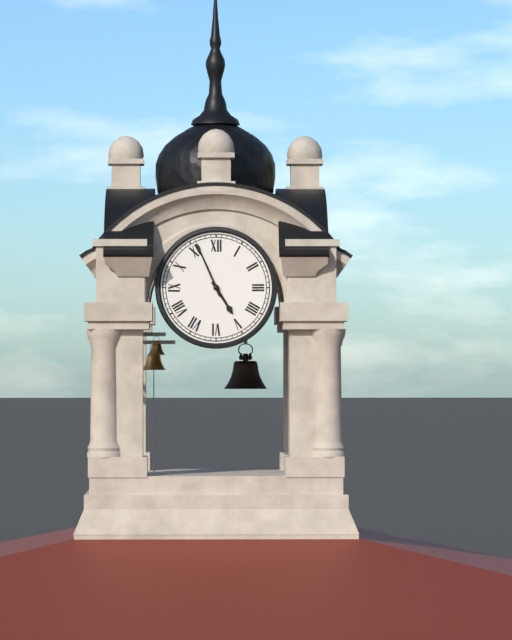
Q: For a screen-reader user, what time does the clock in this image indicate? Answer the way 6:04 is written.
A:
4:56
